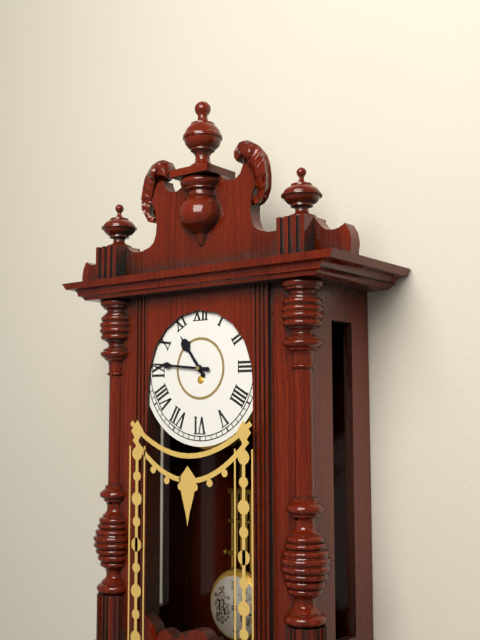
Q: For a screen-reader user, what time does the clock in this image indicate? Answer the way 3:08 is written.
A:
10:46
